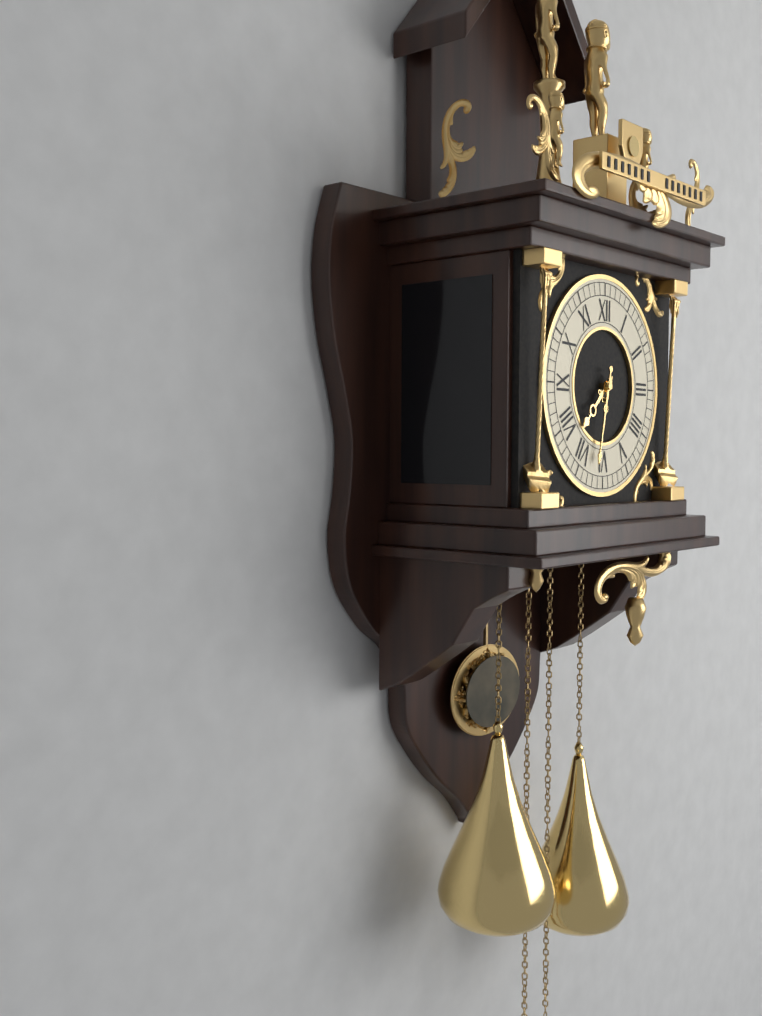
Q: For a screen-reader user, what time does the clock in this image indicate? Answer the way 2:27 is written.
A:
7:32
